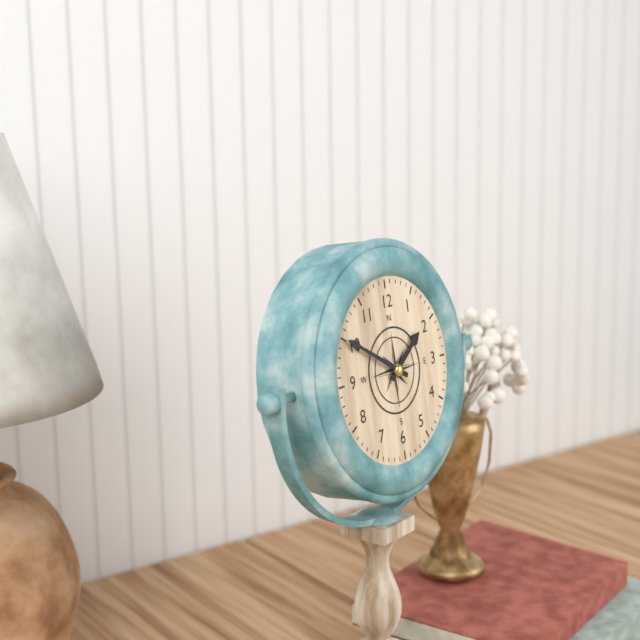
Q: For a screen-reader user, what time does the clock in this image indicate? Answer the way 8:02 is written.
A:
1:50
